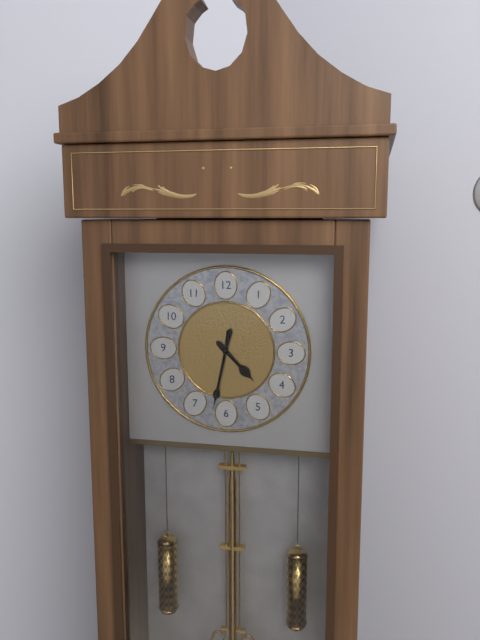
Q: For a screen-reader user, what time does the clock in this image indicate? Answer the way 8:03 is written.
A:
4:32
